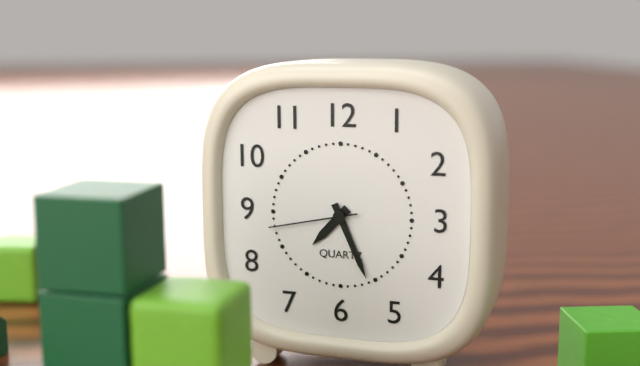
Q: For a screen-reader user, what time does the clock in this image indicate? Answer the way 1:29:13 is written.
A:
7:26:43
